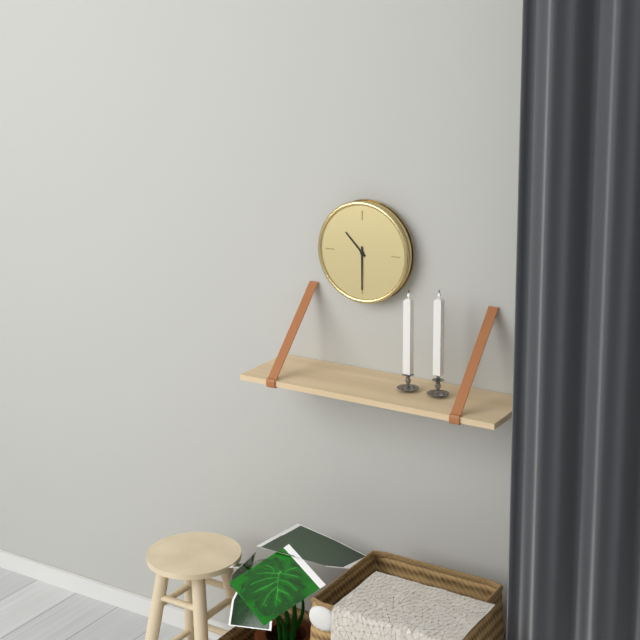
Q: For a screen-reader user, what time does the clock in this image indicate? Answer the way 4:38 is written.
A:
10:30
